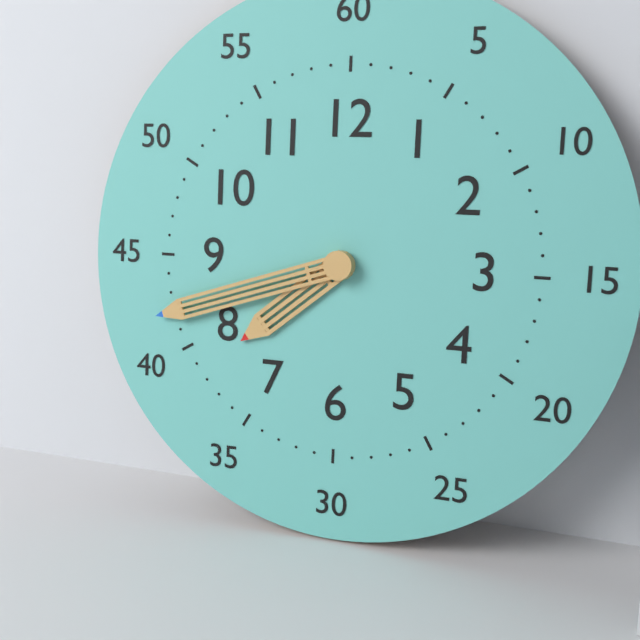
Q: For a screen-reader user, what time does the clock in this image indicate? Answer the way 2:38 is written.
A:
7:42
